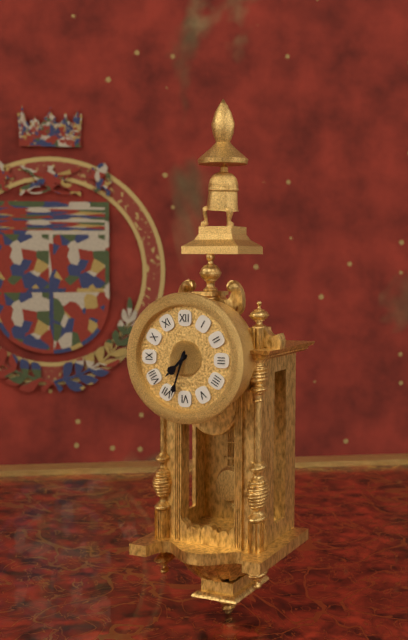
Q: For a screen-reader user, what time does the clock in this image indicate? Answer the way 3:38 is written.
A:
7:33
